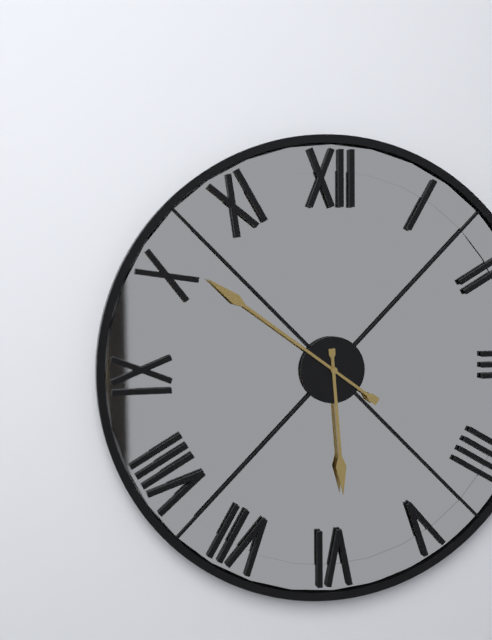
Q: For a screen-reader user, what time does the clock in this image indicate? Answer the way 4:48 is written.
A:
5:51
